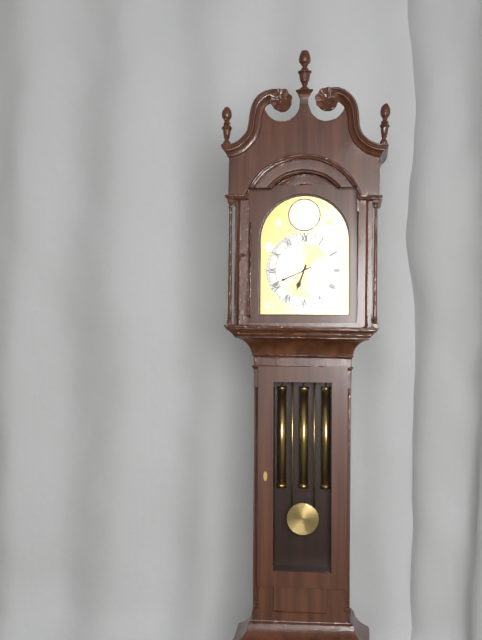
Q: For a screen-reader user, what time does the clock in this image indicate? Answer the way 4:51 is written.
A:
6:41
